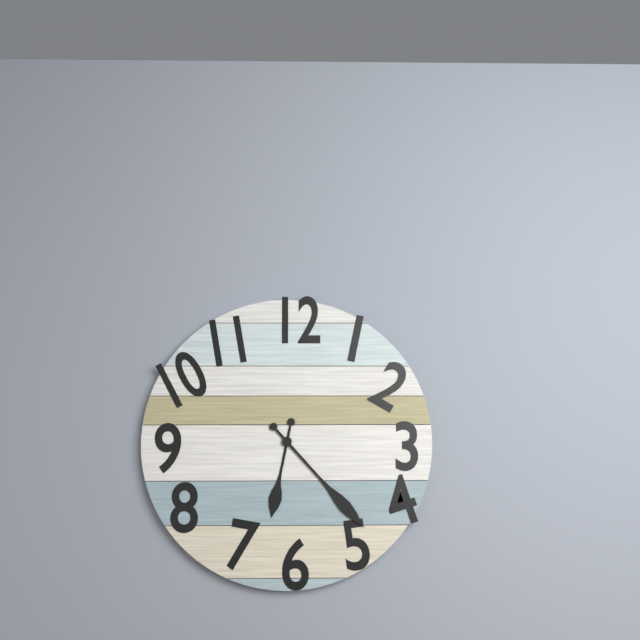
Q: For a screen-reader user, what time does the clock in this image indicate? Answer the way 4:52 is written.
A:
6:23
